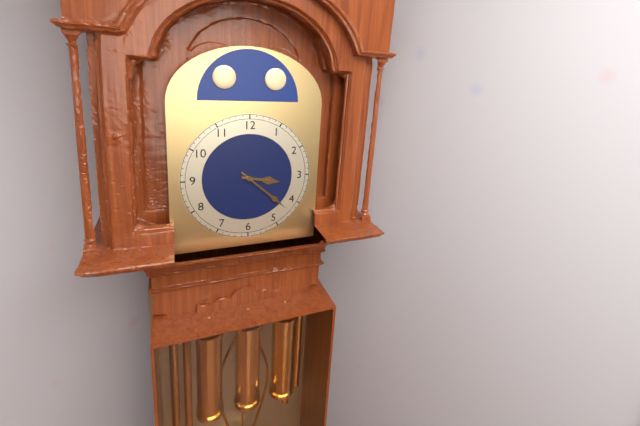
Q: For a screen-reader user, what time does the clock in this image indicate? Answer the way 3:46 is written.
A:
3:22
